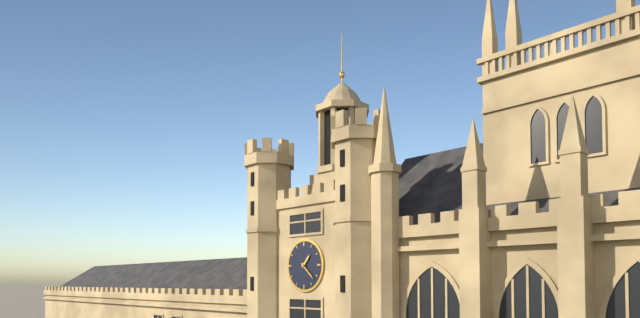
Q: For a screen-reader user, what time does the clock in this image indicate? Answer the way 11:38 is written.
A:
1:22
